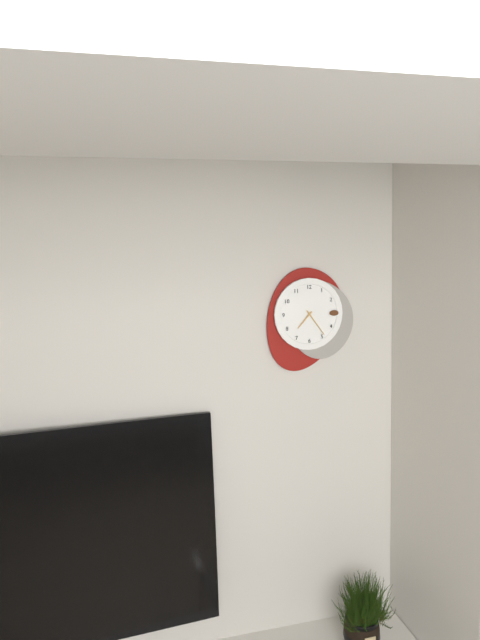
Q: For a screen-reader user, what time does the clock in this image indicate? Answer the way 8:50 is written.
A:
7:24
